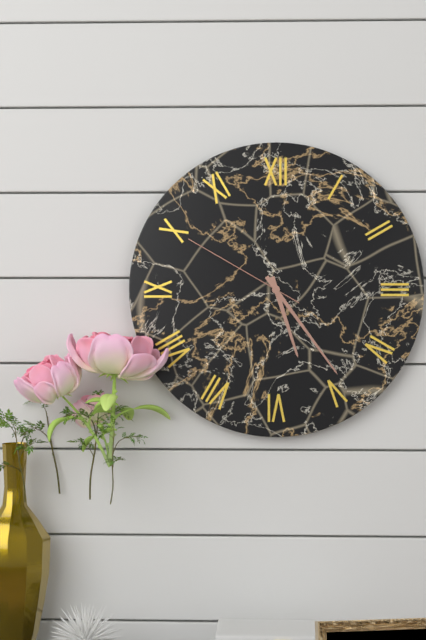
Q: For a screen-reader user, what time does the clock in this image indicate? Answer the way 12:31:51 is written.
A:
5:24:50
